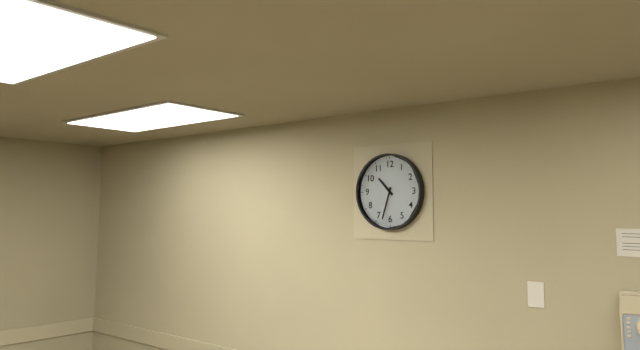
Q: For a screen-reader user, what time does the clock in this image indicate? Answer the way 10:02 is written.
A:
10:33
